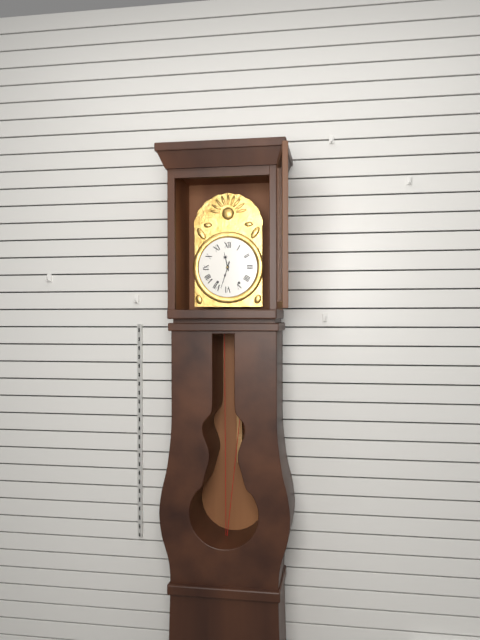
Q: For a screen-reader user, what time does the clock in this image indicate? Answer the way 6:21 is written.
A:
11:33
